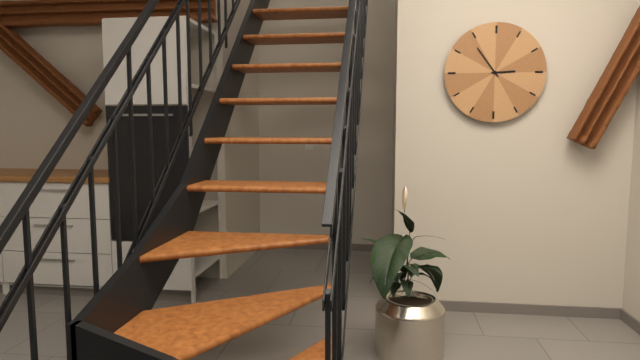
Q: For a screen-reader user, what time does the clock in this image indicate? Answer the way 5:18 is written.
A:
2:54
